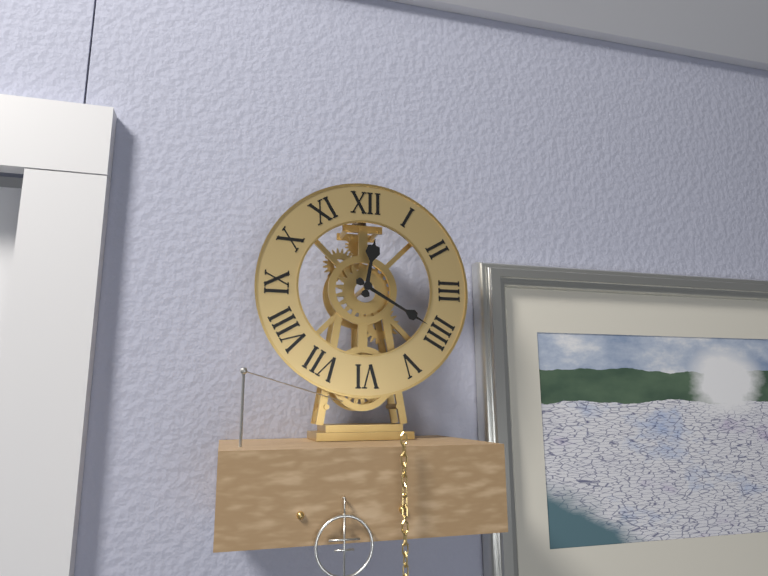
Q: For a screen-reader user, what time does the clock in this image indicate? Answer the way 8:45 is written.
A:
12:20
